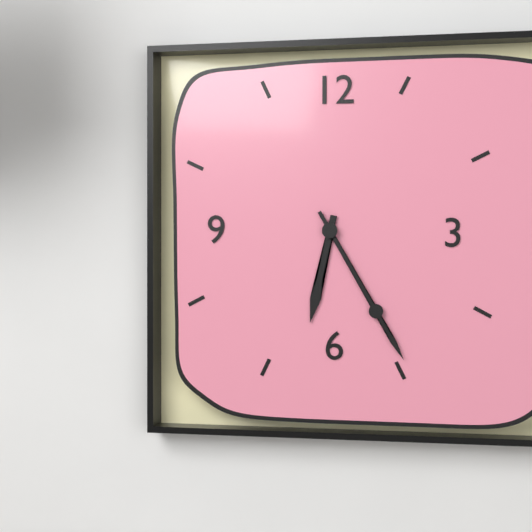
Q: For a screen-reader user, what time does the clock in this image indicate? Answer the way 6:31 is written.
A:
6:25
